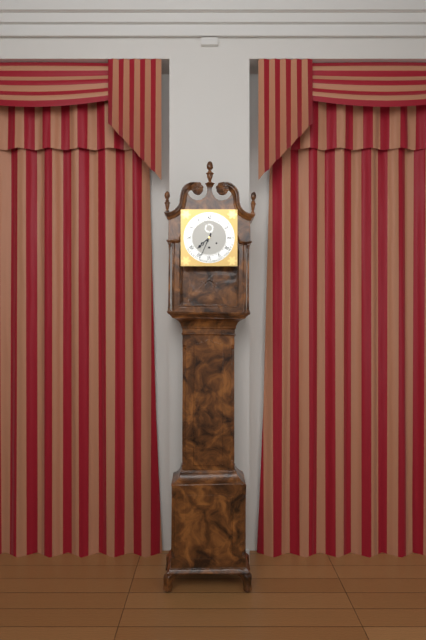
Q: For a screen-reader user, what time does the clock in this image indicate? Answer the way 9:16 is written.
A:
7:34
